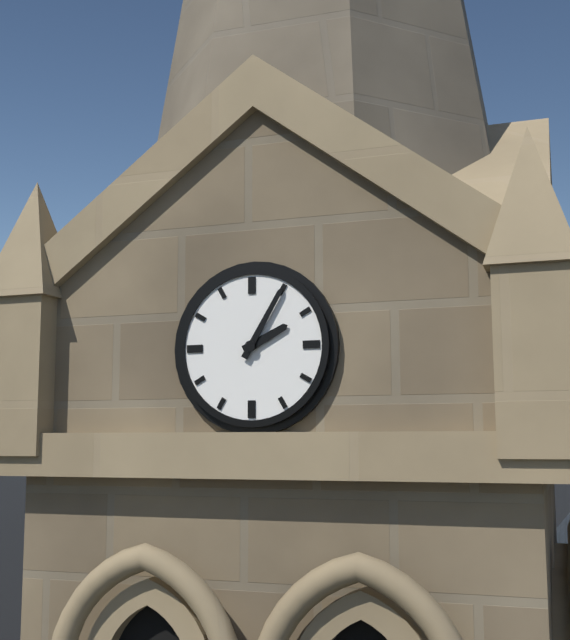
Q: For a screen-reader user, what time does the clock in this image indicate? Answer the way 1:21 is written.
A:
2:05
